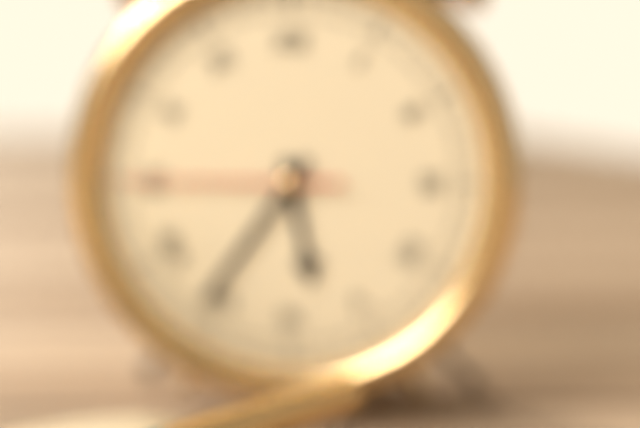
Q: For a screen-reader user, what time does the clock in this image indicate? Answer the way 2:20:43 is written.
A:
5:36:45
